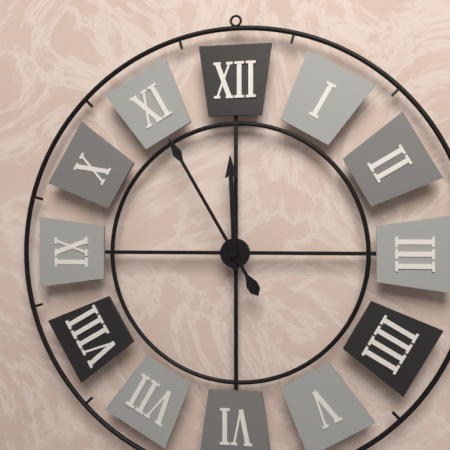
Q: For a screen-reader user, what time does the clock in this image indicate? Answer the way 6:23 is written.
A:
11:55
